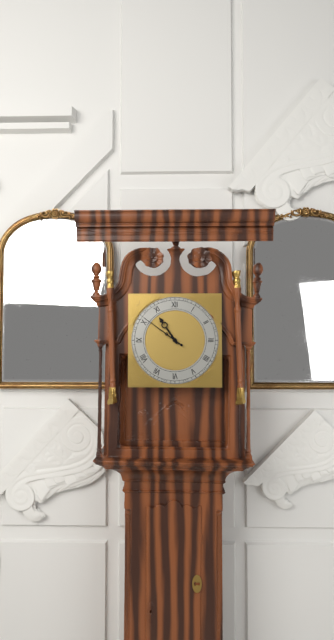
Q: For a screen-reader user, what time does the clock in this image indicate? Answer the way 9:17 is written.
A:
10:51
